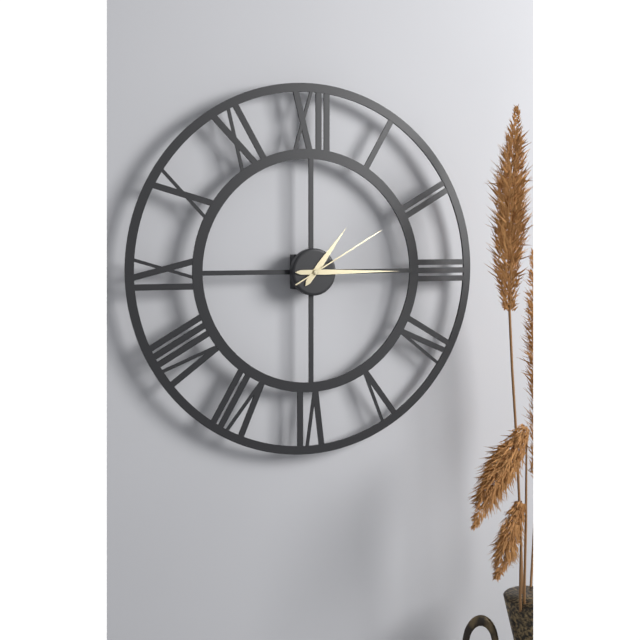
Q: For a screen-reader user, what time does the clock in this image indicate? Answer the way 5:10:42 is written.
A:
1:15:10
